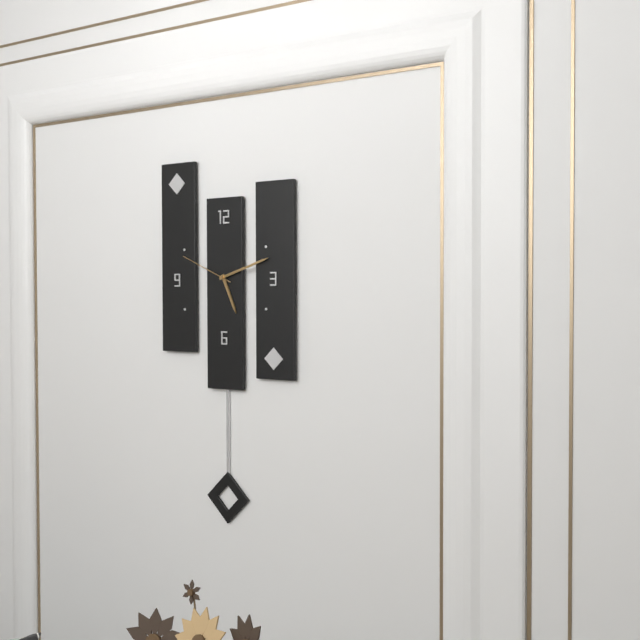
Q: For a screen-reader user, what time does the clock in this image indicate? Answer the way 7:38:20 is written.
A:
5:12:49
